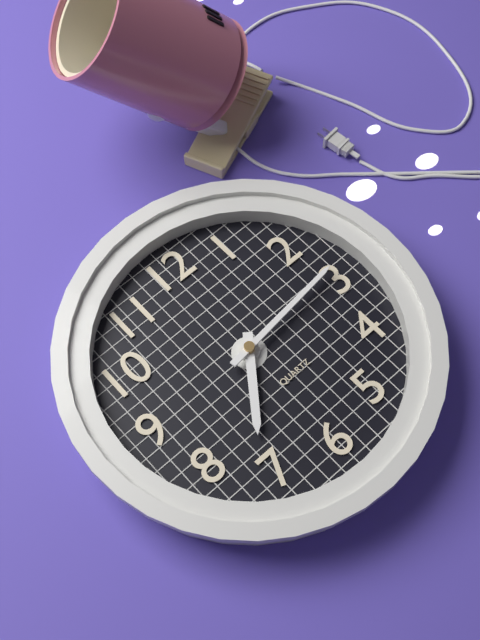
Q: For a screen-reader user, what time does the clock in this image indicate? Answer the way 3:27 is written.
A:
7:14
